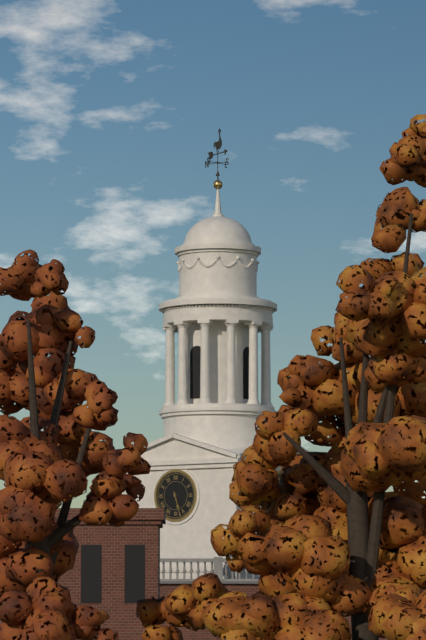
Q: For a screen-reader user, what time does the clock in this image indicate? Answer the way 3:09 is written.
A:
5:27
